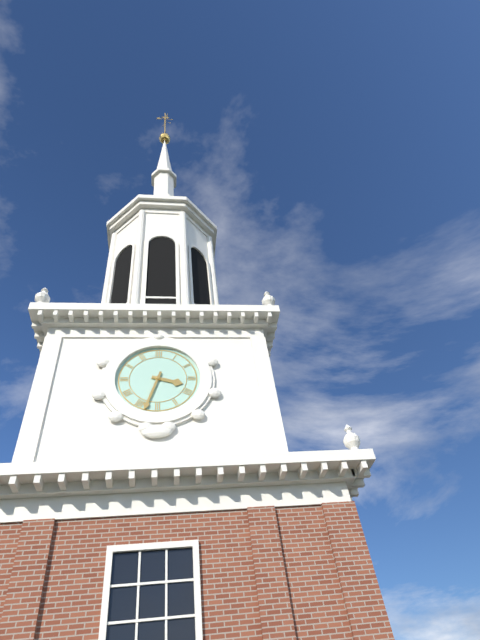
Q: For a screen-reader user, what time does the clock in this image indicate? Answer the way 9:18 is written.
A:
3:33
